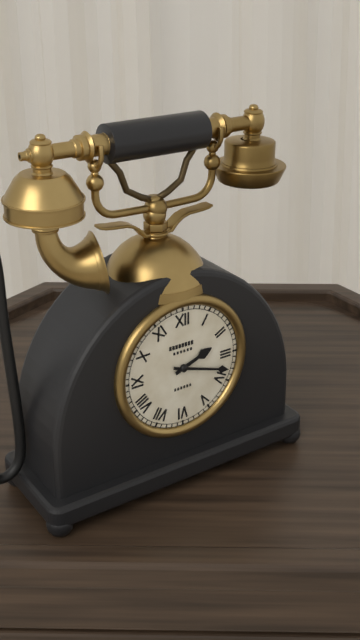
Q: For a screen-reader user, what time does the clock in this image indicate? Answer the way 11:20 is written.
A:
2:18
